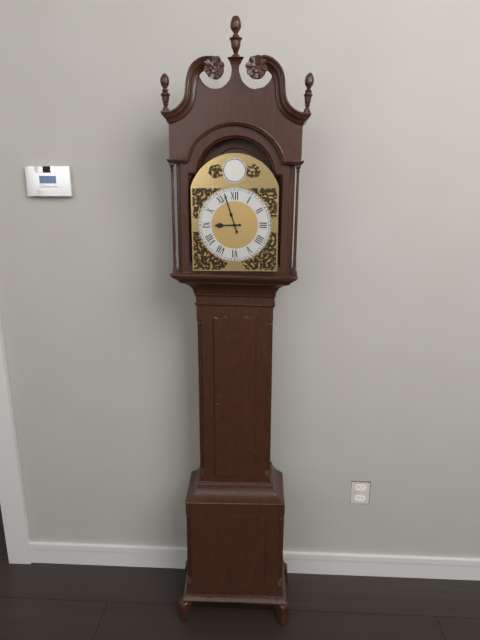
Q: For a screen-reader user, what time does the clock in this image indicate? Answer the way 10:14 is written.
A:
8:57
